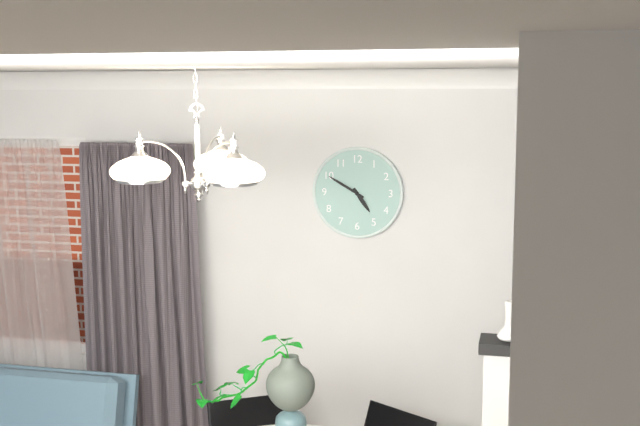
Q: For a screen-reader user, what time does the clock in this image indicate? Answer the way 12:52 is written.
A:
4:50
